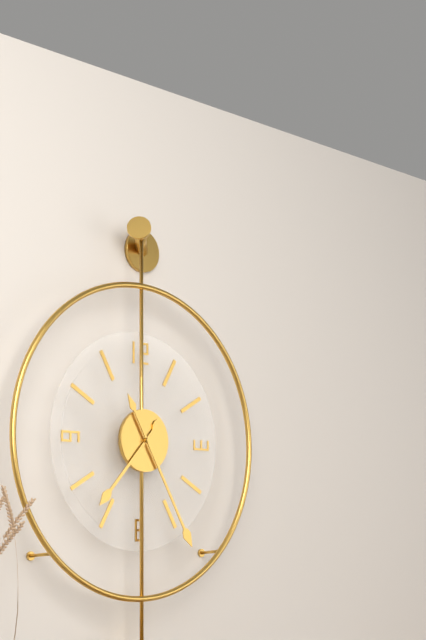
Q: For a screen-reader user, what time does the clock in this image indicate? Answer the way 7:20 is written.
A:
7:25
